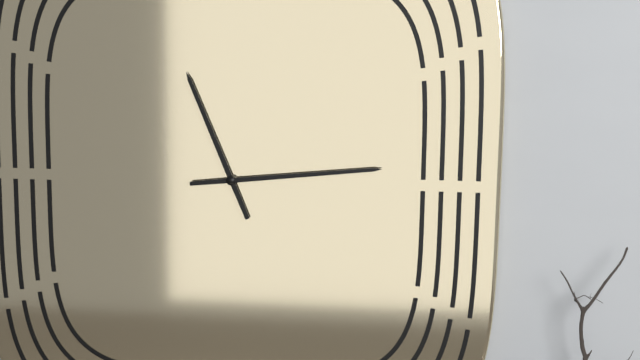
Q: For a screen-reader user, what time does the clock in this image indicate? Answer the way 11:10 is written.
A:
11:14
